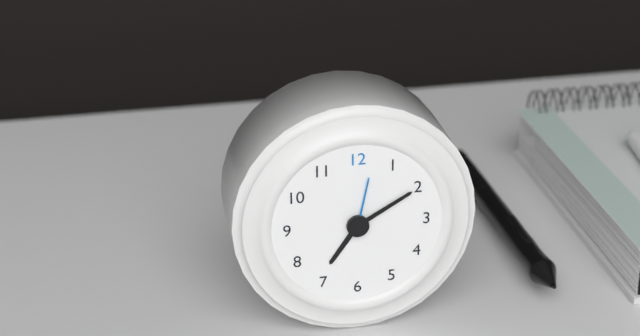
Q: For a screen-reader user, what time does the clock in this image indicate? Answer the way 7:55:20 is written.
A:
7:10:02
